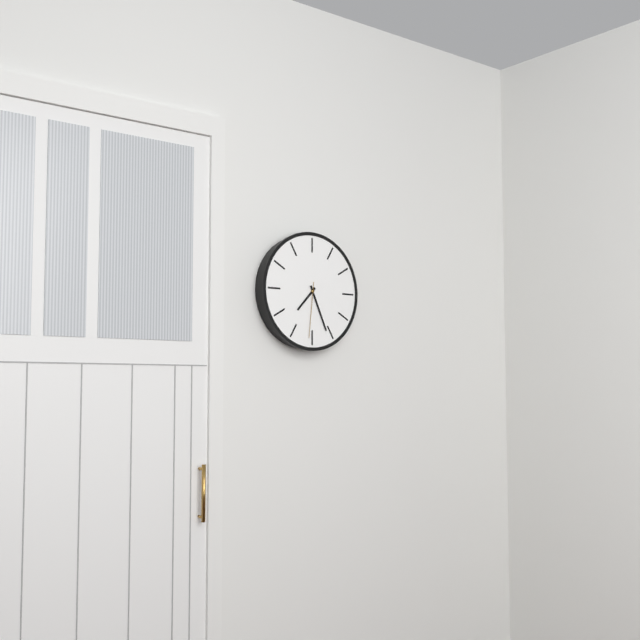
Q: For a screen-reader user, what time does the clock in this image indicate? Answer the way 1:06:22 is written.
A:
7:26:31
